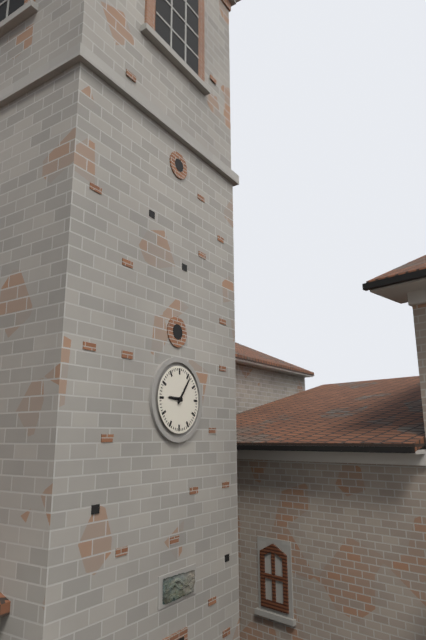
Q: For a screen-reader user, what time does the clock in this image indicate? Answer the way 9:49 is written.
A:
9:06
